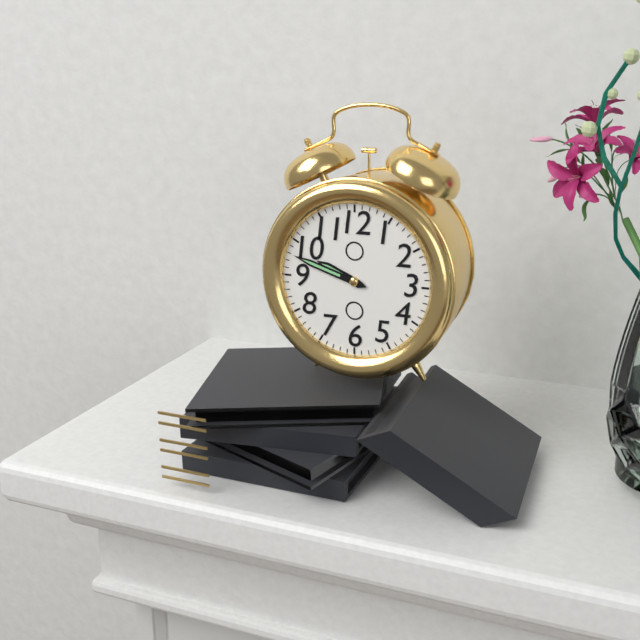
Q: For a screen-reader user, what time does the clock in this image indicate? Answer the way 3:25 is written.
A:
9:48
